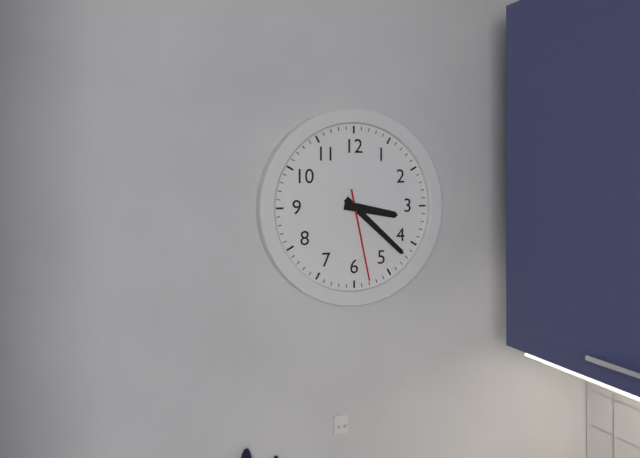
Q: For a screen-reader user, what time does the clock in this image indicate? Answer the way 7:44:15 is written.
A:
3:22:28
